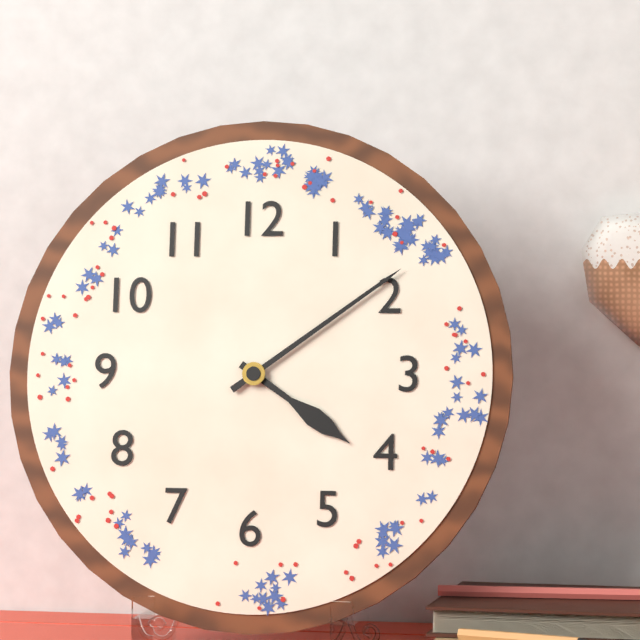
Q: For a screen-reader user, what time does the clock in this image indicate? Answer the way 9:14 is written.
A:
4:09
